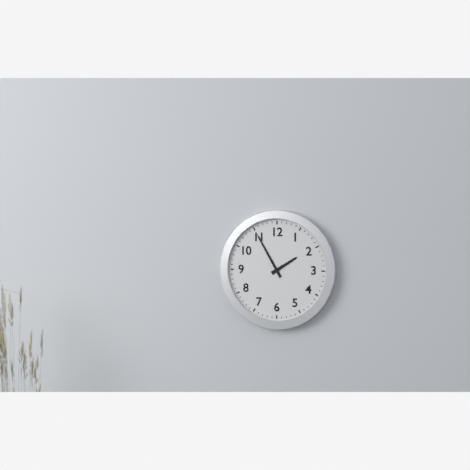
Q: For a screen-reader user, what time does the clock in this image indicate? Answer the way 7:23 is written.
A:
1:55
